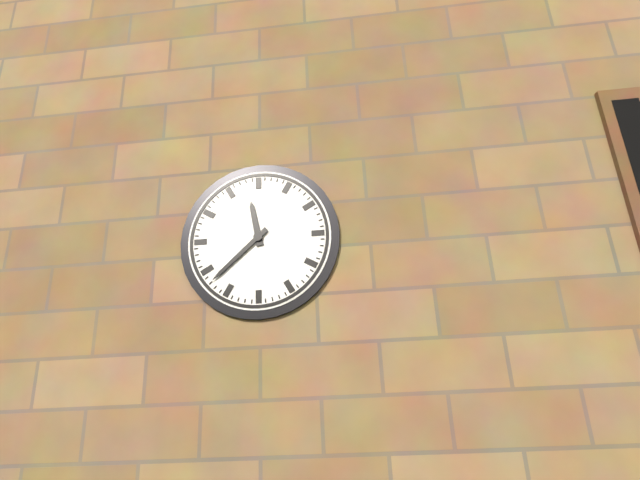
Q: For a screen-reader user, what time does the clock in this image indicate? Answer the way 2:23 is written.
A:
11:38
